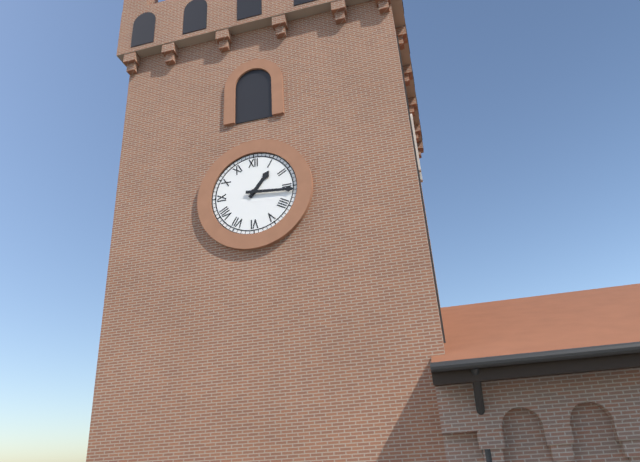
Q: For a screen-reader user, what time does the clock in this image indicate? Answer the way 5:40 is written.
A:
1:16
